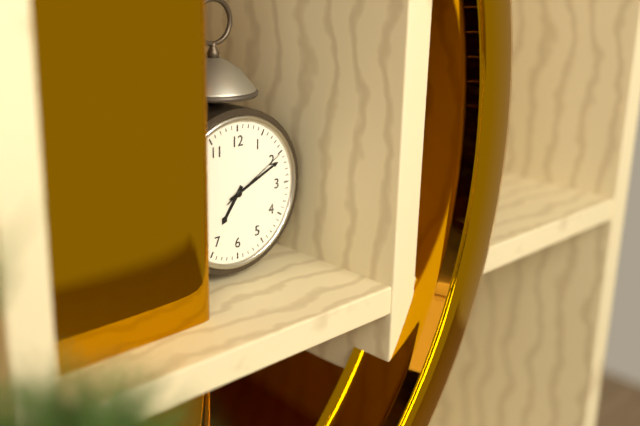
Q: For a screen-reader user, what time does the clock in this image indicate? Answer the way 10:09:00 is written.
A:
7:11:10
